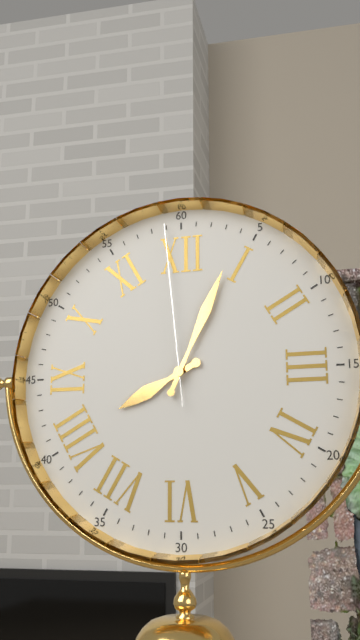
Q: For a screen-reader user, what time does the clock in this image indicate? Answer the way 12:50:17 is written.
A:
8:04:59
